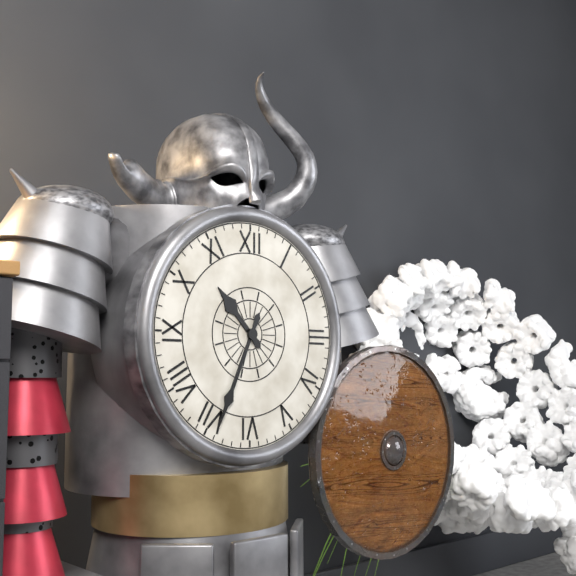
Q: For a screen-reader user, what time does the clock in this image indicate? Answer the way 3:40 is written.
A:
10:34
